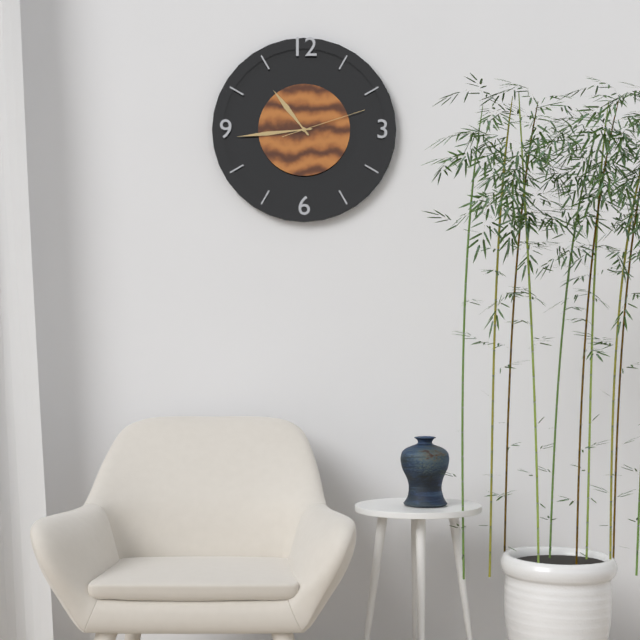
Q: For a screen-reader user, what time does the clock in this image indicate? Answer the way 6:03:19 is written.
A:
10:44:12
